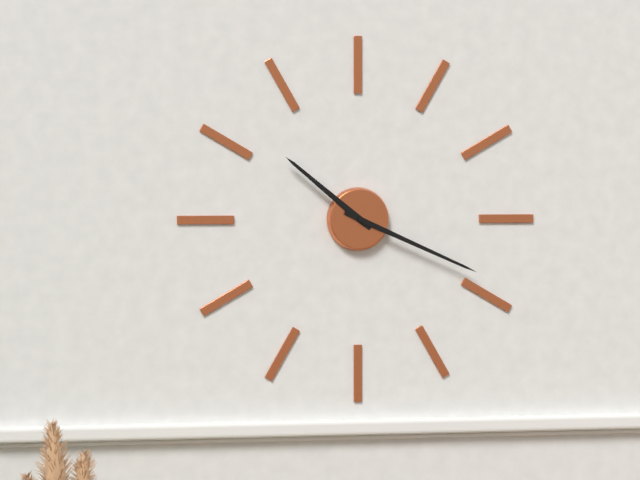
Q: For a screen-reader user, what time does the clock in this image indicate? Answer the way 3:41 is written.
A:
10:19
